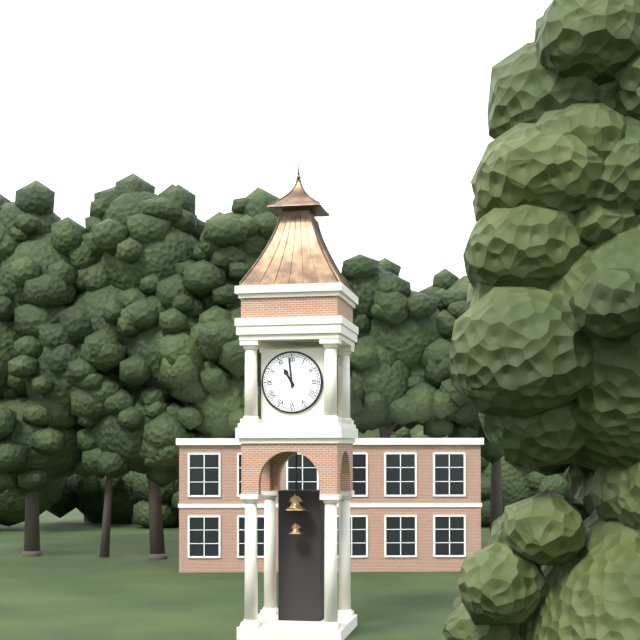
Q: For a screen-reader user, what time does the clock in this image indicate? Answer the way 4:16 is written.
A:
10:59
